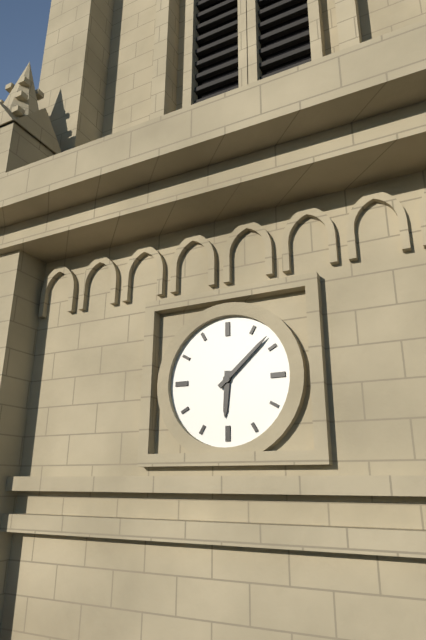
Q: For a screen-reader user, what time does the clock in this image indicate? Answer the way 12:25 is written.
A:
6:08
